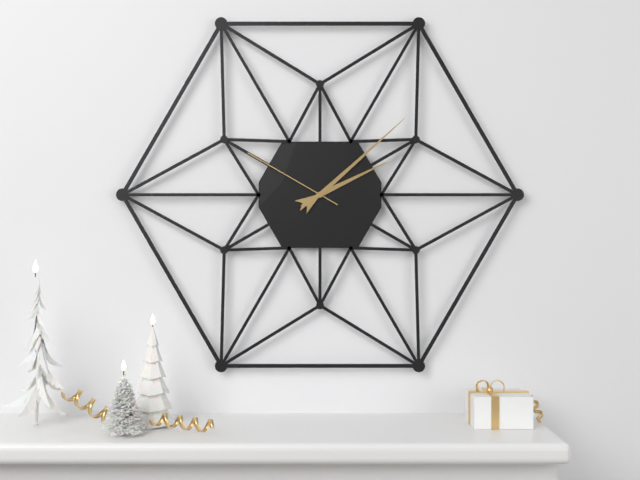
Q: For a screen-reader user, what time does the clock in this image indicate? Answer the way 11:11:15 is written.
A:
2:08:50
